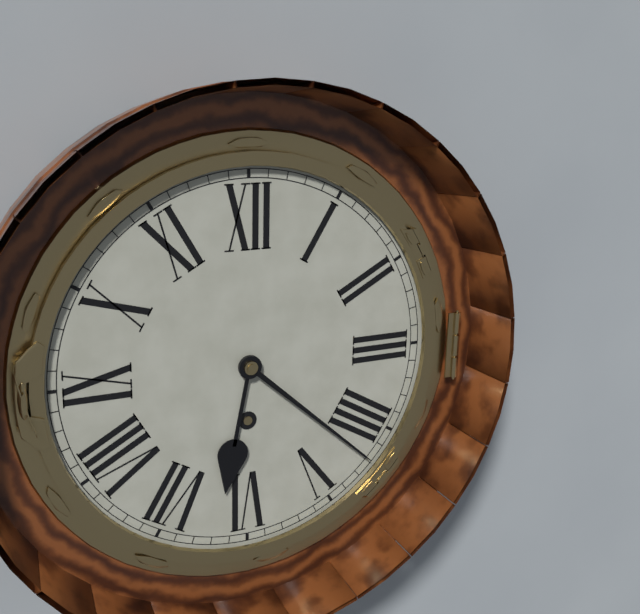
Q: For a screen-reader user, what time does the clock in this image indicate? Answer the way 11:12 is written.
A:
6:22
